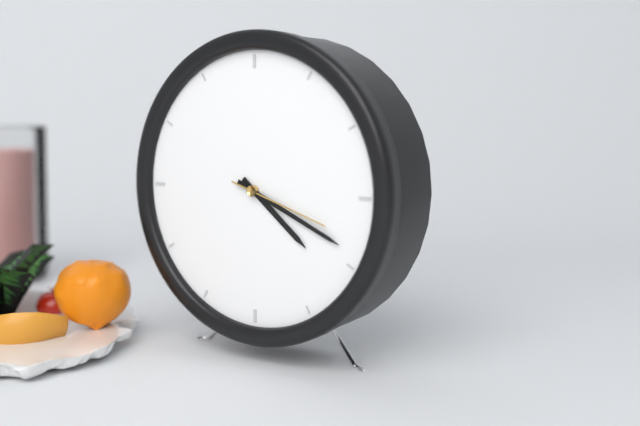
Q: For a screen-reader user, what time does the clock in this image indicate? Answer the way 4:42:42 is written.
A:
4:19:18
